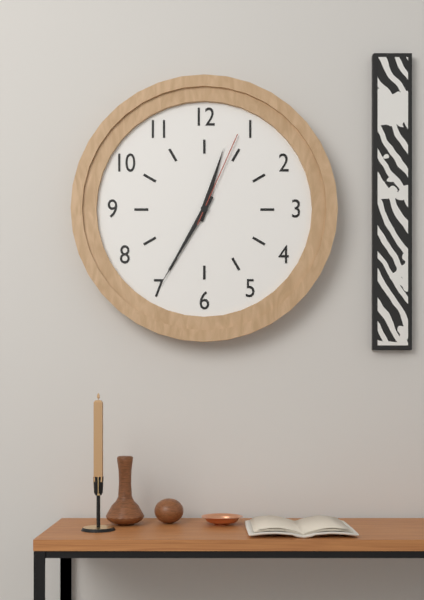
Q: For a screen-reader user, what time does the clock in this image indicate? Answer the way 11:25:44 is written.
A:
12:35:04
